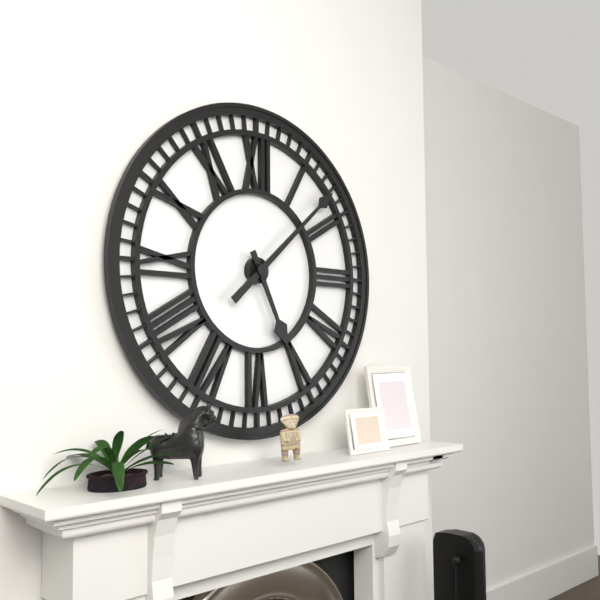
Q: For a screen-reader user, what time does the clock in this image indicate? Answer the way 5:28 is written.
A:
5:08
